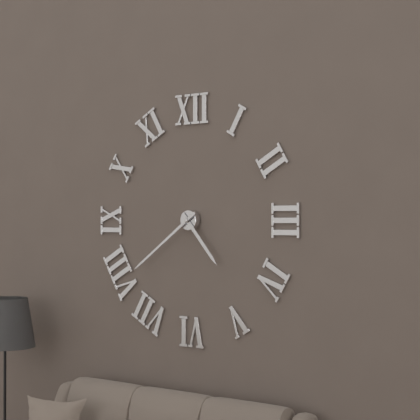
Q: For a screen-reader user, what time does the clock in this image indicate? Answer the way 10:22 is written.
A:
4:39
